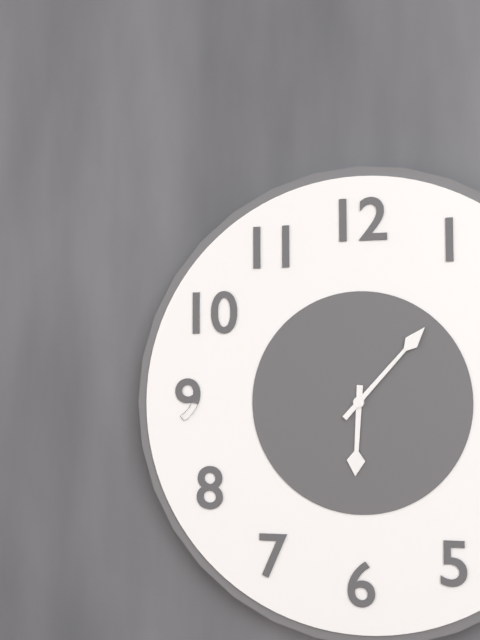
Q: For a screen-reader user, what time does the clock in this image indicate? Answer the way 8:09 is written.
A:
6:07
